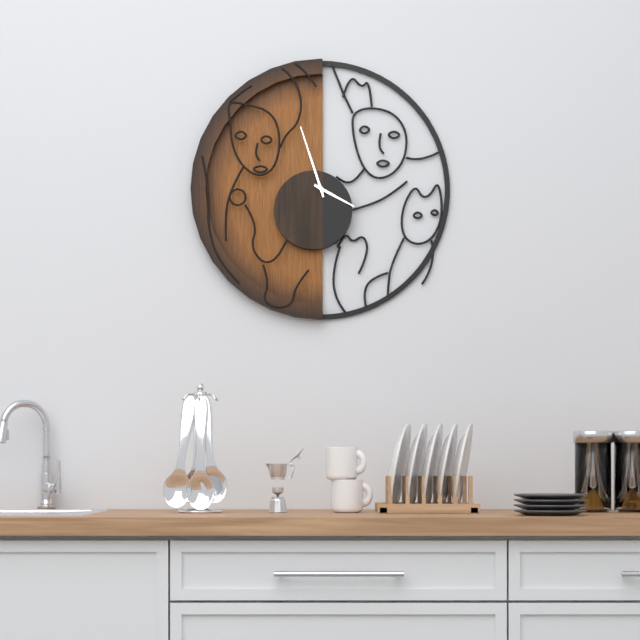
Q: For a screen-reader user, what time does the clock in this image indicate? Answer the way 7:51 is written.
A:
3:57
